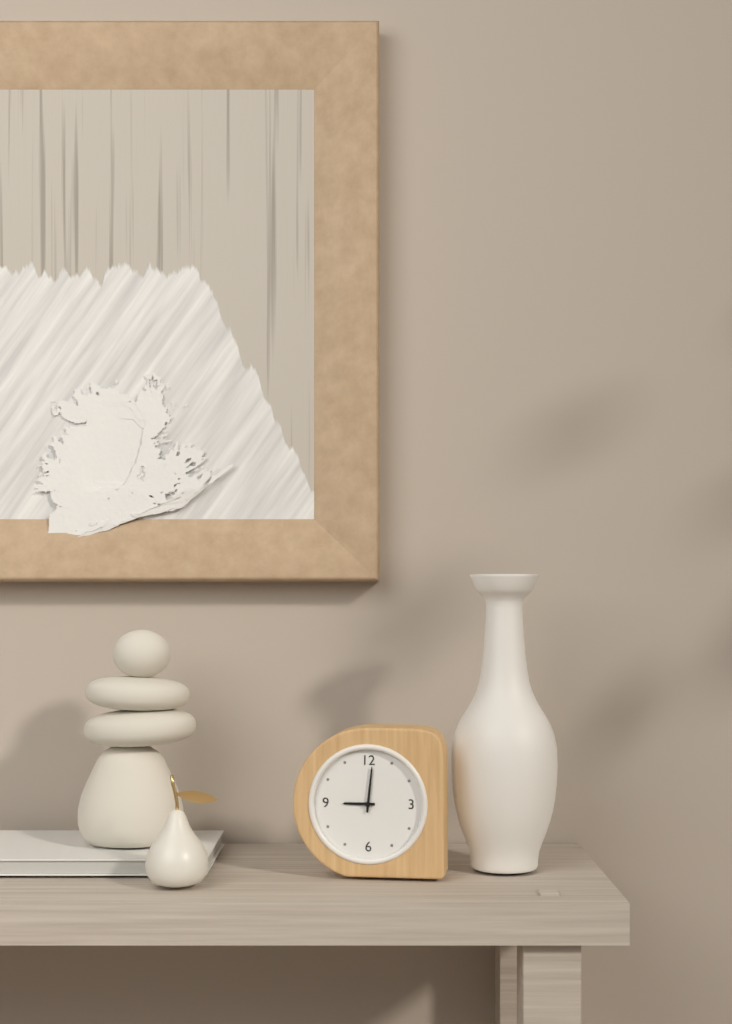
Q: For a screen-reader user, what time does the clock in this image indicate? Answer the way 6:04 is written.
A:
9:01
